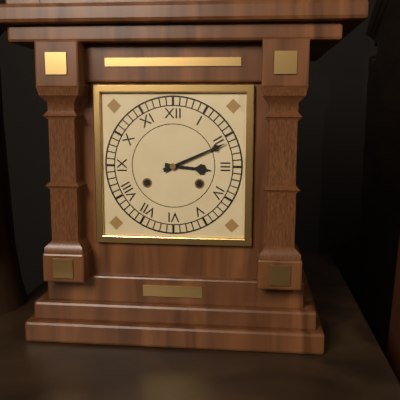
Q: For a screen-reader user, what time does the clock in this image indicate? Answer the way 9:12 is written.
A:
3:11
